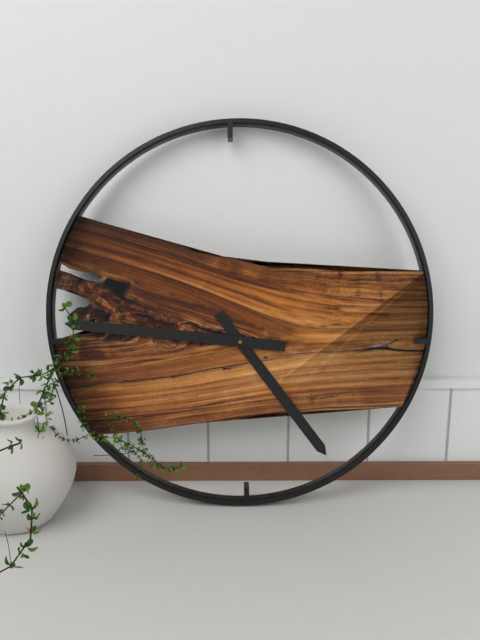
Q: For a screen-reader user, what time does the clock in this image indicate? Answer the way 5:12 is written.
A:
4:46
